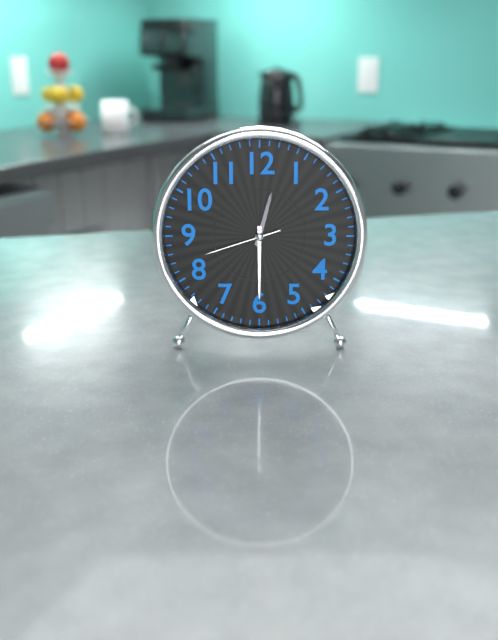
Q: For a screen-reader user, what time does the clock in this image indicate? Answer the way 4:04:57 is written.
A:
12:30:42
